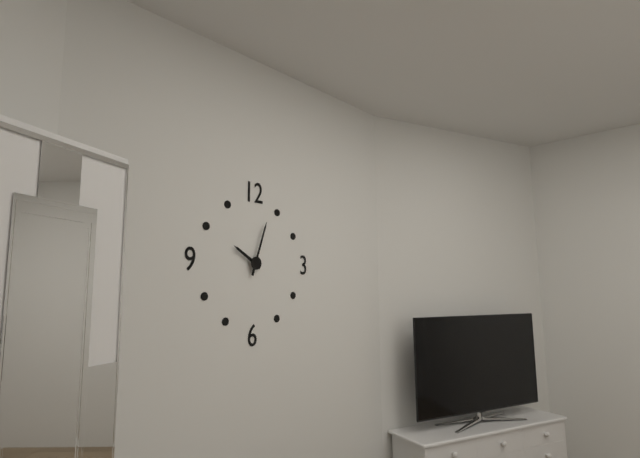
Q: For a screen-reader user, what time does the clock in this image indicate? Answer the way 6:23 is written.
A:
10:03
